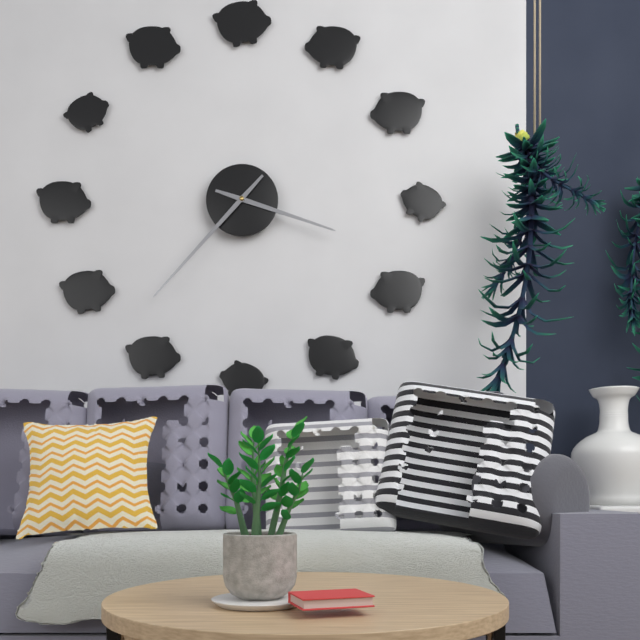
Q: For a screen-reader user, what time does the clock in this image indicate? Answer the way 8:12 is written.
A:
3:37
